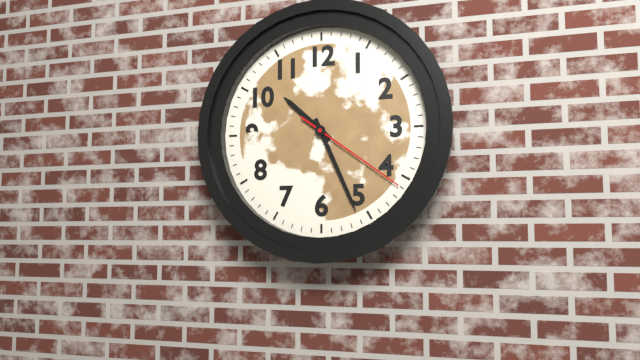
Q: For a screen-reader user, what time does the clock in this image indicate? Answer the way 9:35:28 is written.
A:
10:26:21
